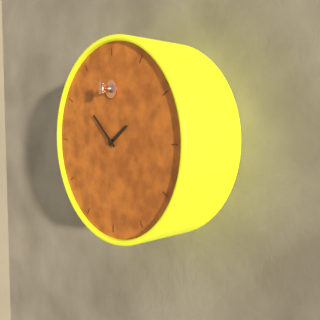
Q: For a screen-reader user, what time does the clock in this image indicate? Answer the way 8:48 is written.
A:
1:52
